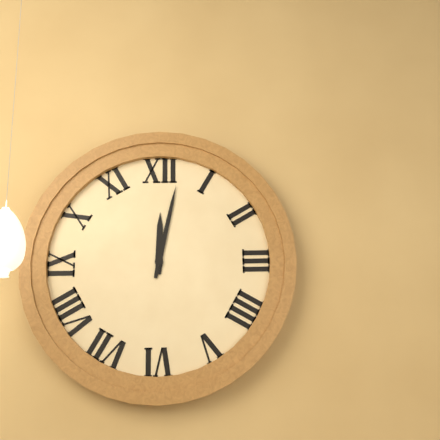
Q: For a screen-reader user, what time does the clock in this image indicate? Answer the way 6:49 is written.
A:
12:02
